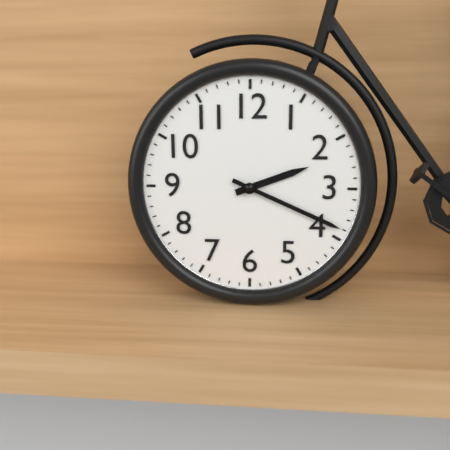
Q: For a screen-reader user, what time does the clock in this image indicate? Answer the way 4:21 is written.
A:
2:19
